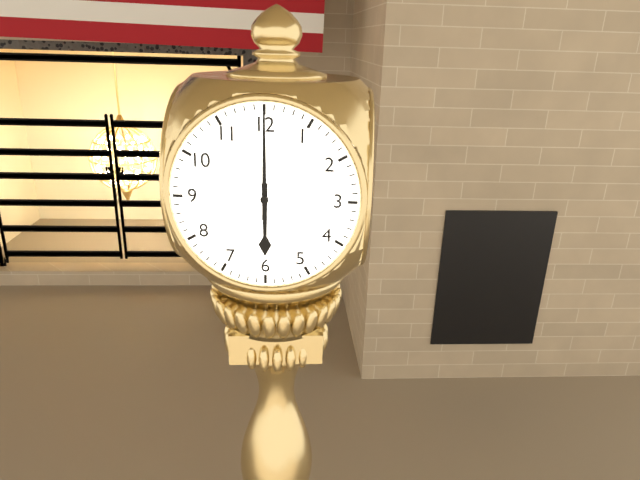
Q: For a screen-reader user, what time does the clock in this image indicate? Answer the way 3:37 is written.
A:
6:00
